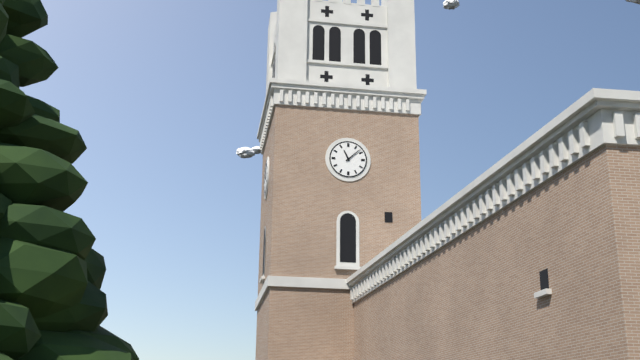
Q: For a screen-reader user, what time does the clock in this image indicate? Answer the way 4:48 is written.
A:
11:08
